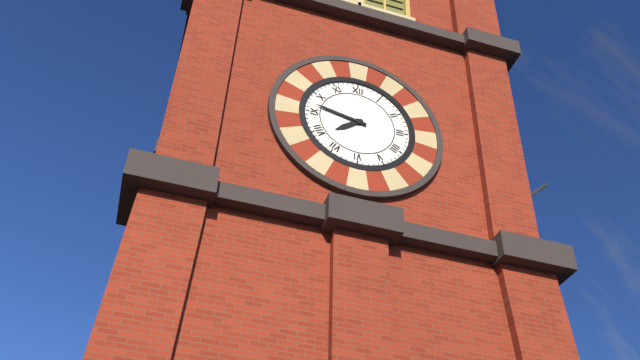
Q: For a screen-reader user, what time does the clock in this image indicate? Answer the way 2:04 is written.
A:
7:47
